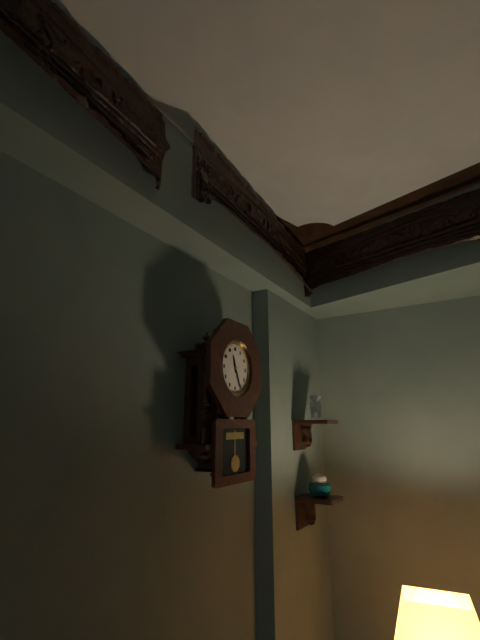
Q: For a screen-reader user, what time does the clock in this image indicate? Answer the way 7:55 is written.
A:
11:26
